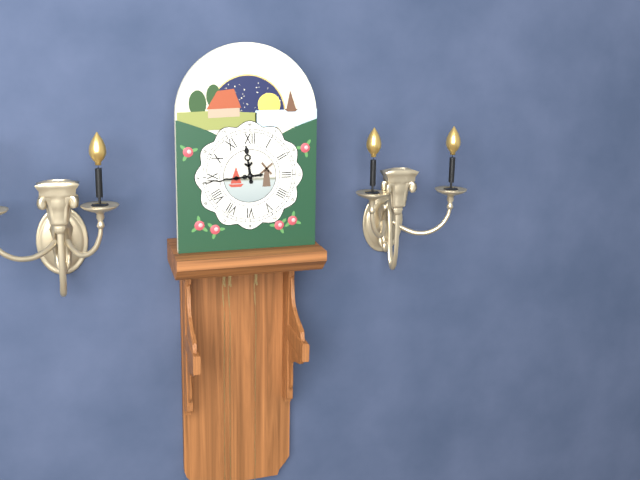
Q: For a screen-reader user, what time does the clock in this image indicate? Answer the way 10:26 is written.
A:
11:44
